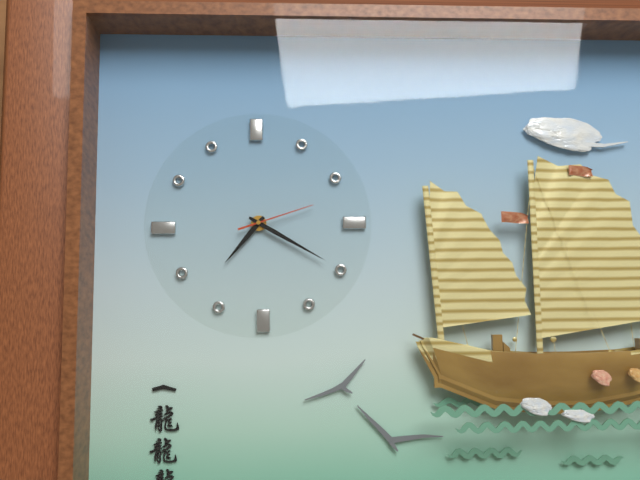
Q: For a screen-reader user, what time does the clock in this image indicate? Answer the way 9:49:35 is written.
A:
7:20:12
